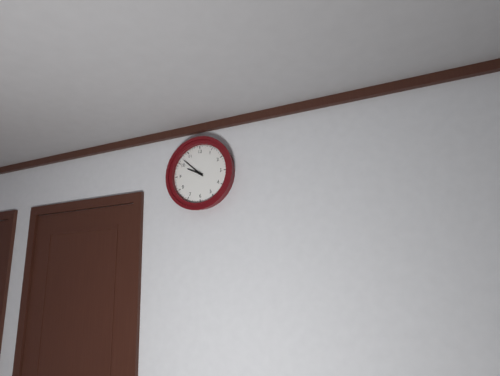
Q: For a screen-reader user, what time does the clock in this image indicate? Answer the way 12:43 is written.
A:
9:52
